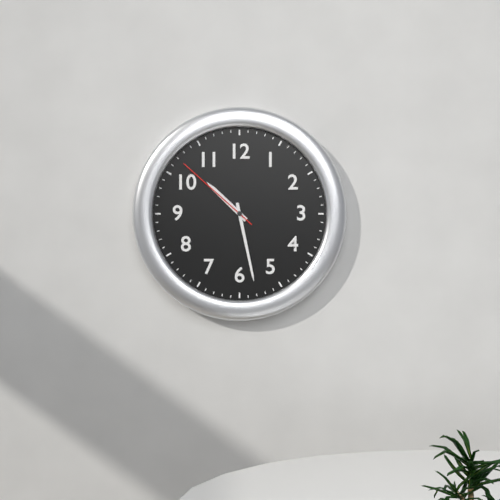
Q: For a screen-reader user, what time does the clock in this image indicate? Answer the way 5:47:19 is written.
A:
10:28:52
